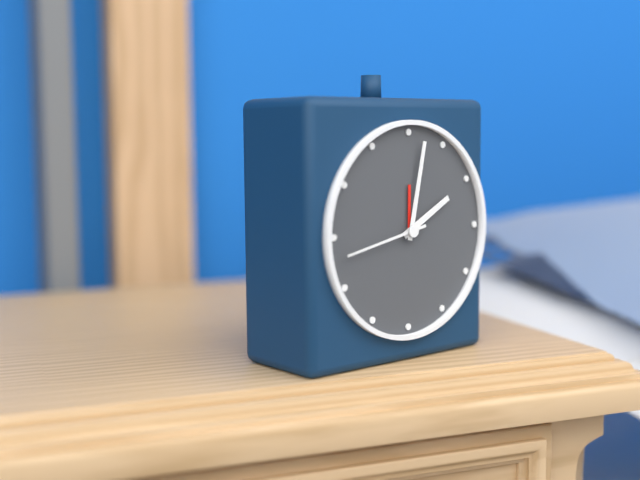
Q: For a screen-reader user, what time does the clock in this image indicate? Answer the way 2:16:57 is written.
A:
2:02:43
